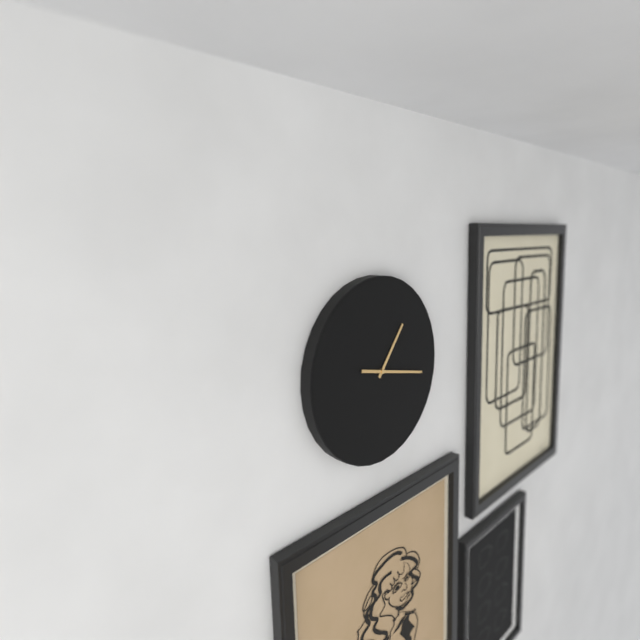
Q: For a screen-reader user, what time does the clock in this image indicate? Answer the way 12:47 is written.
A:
1:17
